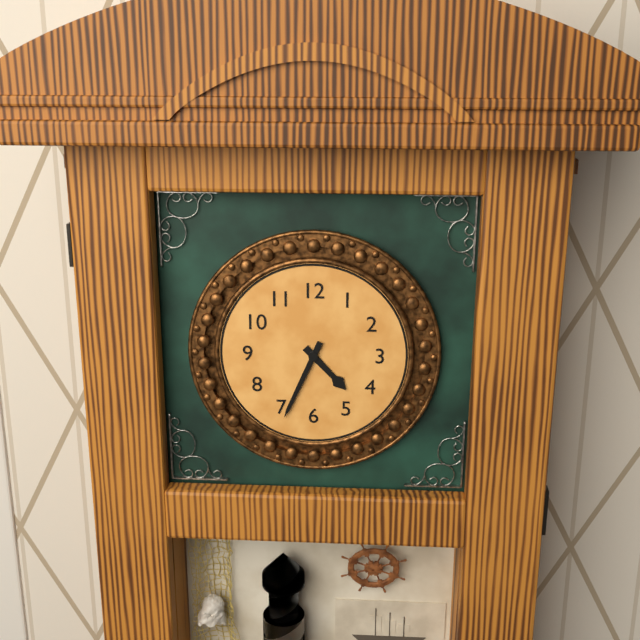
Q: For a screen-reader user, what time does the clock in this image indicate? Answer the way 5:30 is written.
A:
4:34
